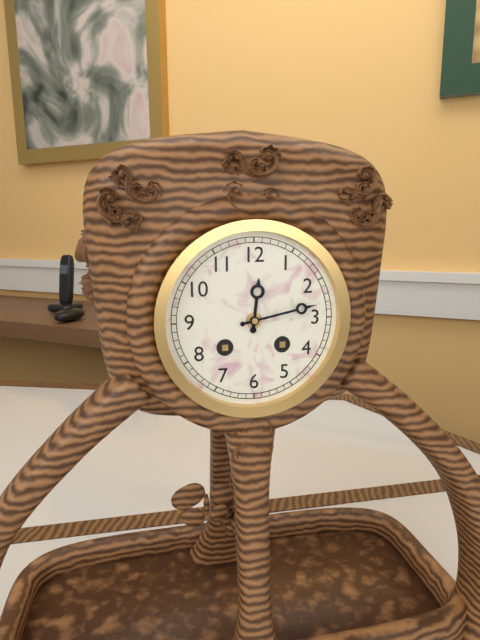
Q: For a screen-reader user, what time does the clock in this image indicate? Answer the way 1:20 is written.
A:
12:13
